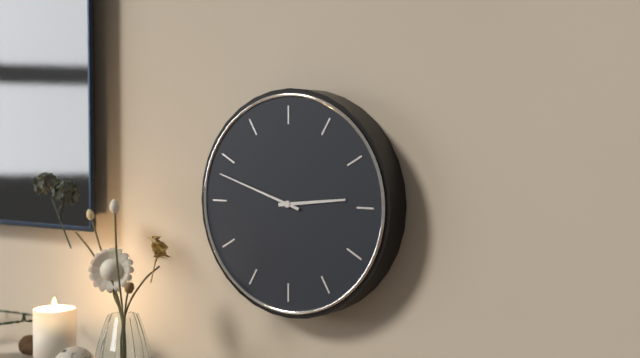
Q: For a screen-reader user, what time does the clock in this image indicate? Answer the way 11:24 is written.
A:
2:48
